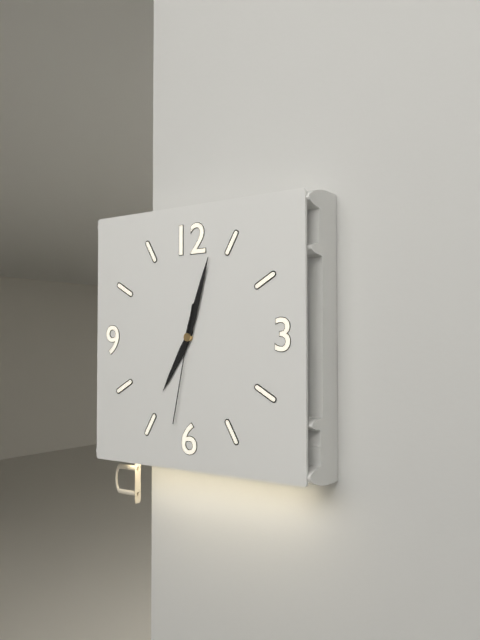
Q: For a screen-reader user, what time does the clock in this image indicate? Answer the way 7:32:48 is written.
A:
7:03:32
